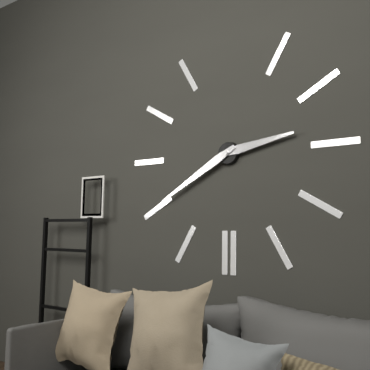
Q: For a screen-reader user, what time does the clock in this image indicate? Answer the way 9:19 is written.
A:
2:40
